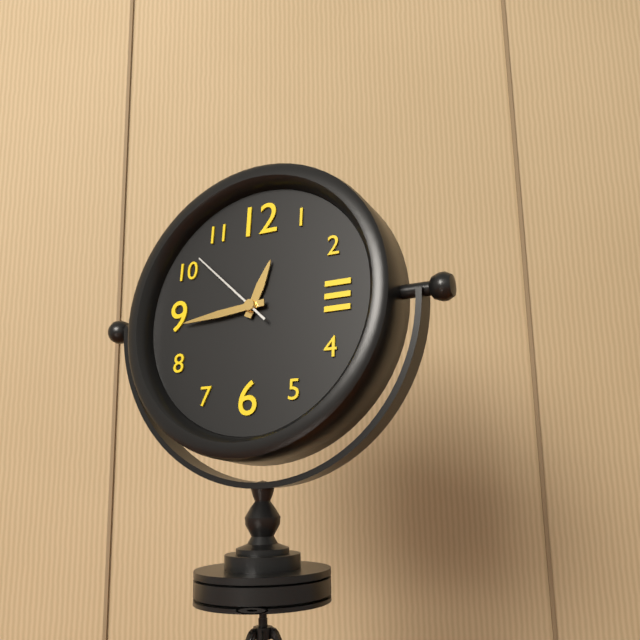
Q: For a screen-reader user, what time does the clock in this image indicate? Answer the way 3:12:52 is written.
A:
12:44:52
